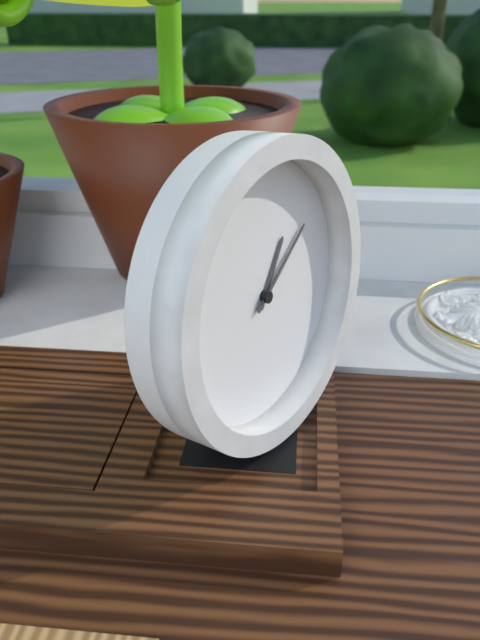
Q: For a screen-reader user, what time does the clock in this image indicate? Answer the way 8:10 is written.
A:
1:09
